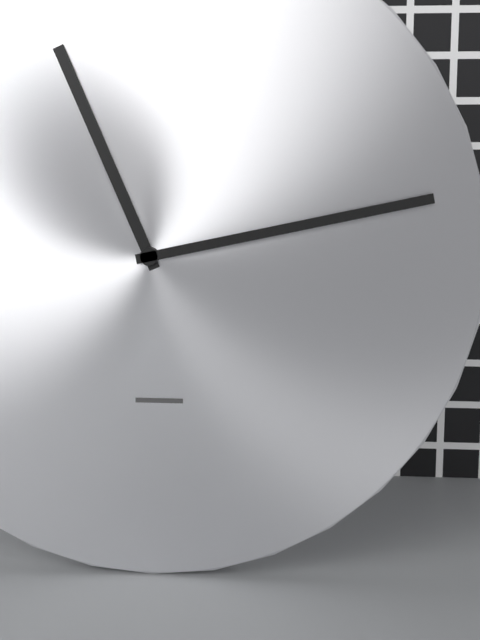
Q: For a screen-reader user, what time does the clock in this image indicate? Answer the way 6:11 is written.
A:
11:13
